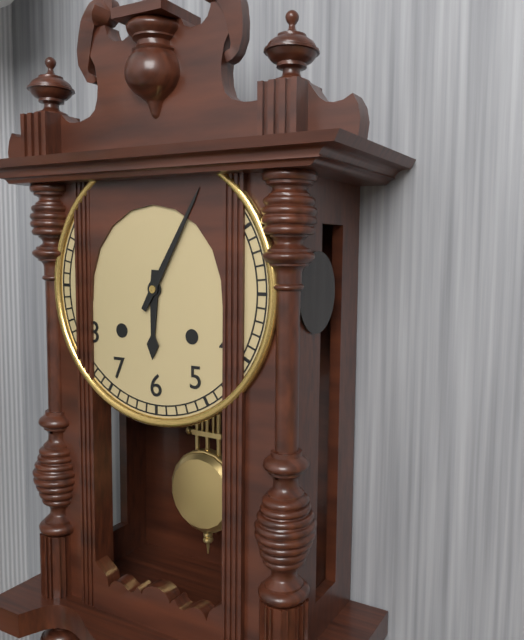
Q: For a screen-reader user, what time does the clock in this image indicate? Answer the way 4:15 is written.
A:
6:05
